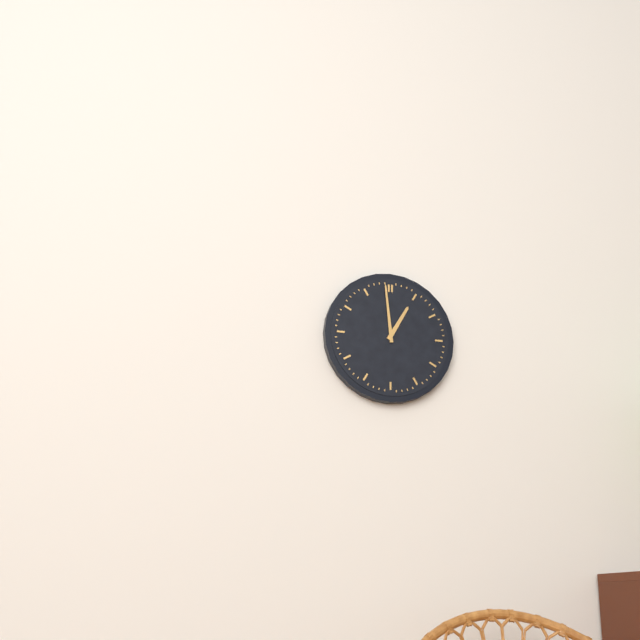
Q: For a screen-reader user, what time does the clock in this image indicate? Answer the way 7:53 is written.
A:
12:59
